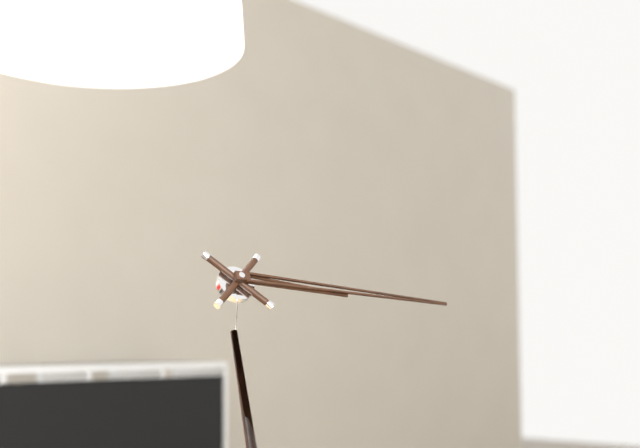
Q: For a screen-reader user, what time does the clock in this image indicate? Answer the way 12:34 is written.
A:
3:16
